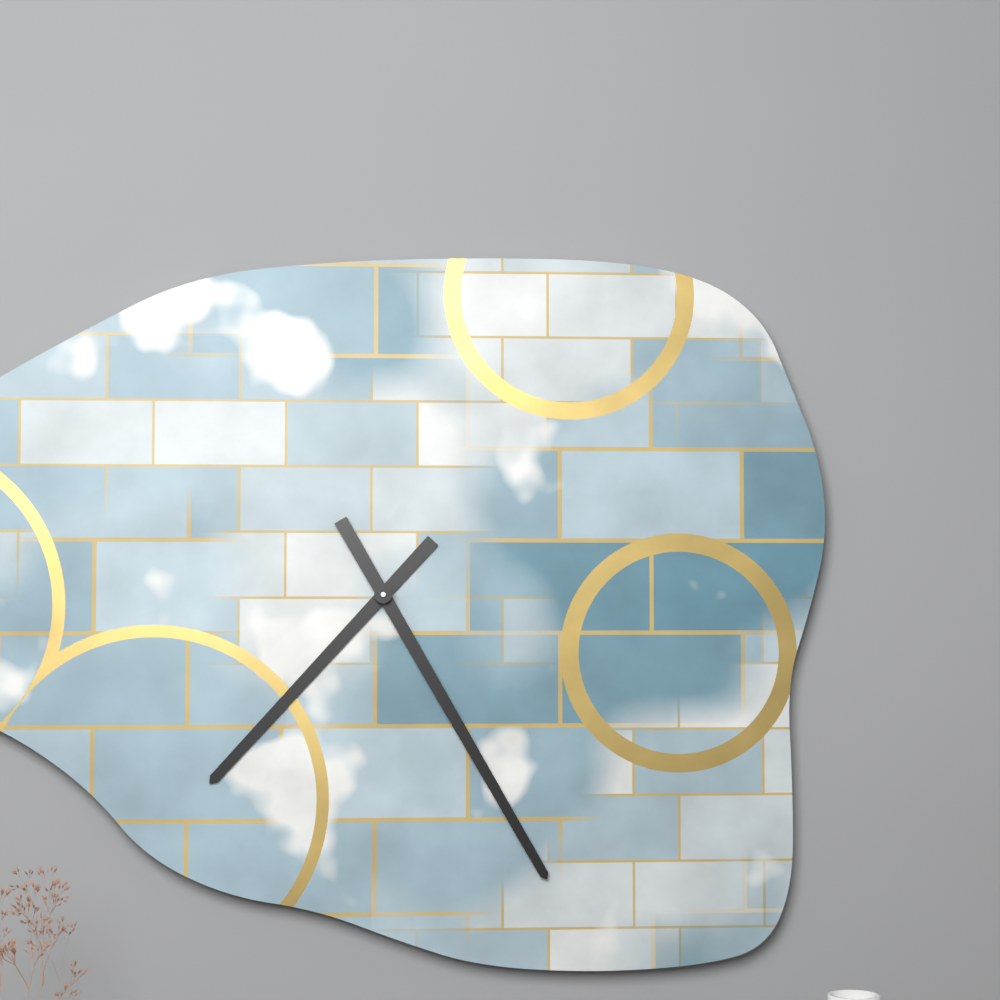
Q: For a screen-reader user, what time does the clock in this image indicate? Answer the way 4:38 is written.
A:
7:25
